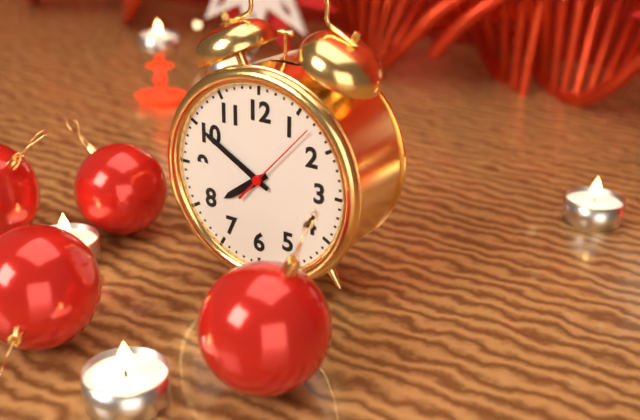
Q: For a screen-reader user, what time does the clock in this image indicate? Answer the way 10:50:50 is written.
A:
7:50:07
